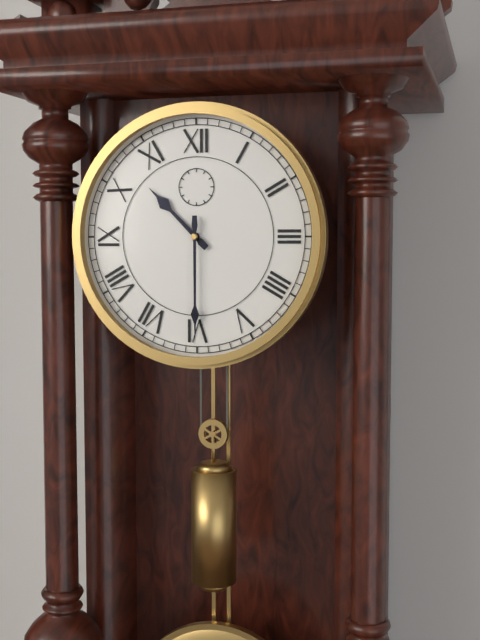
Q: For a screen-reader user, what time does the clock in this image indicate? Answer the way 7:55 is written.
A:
10:30
